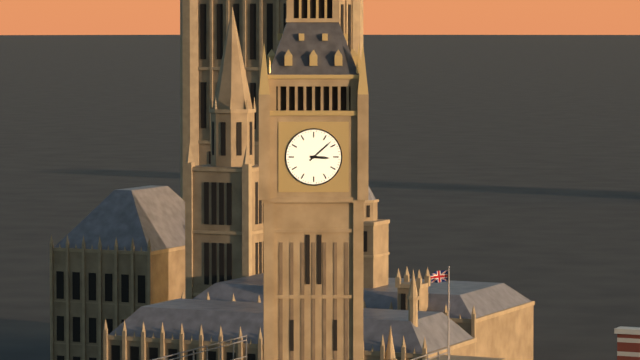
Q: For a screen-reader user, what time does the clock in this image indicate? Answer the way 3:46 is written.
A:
3:08
